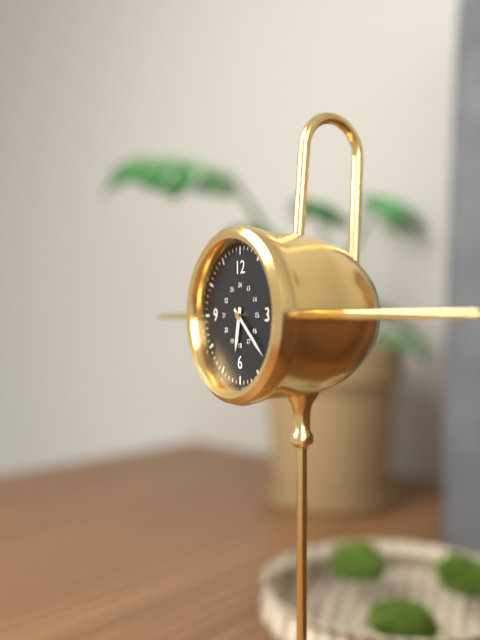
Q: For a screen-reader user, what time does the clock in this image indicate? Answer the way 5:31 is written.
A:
6:22
